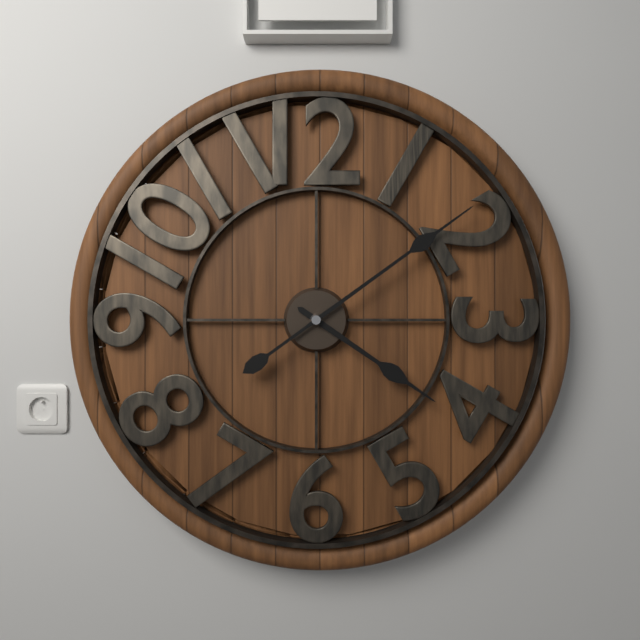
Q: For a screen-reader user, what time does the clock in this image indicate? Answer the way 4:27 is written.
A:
4:09
